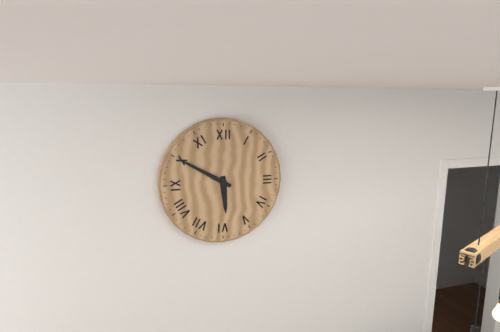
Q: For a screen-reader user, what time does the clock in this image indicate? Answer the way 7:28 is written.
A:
5:50
